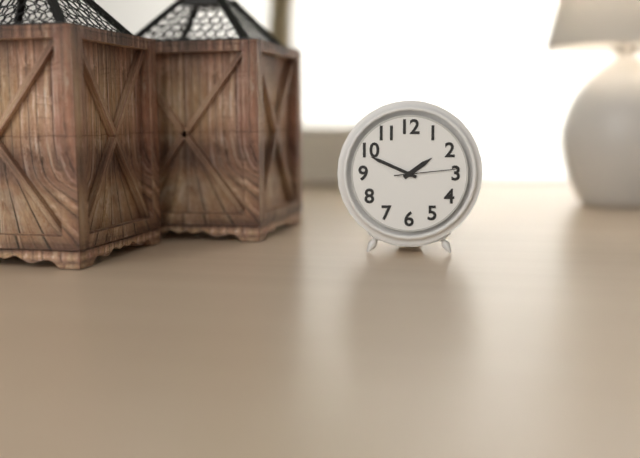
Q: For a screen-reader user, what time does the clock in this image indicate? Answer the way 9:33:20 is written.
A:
1:49:14
